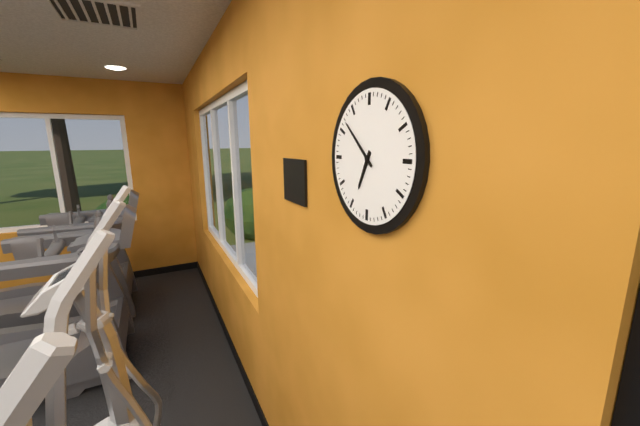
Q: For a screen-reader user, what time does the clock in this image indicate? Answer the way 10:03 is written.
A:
6:52
